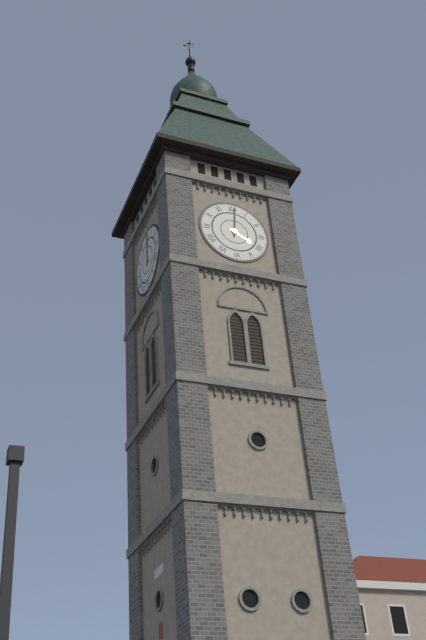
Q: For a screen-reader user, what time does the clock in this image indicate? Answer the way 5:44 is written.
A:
4:01
